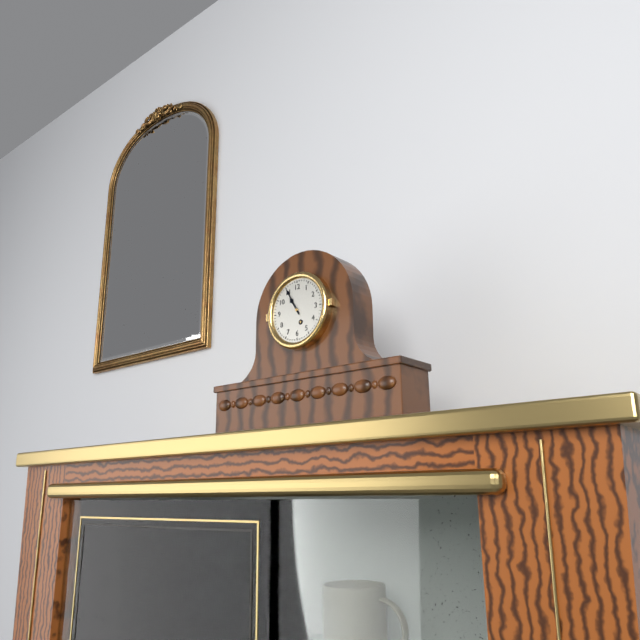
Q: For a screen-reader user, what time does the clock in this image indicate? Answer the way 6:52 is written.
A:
10:55
